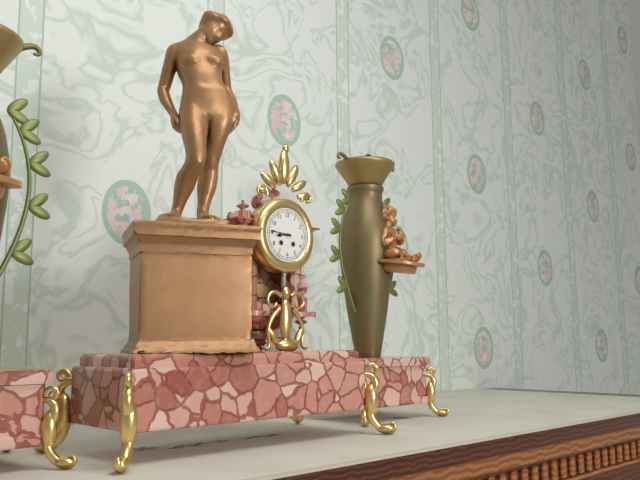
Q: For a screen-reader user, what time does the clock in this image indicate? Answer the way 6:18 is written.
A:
8:46
